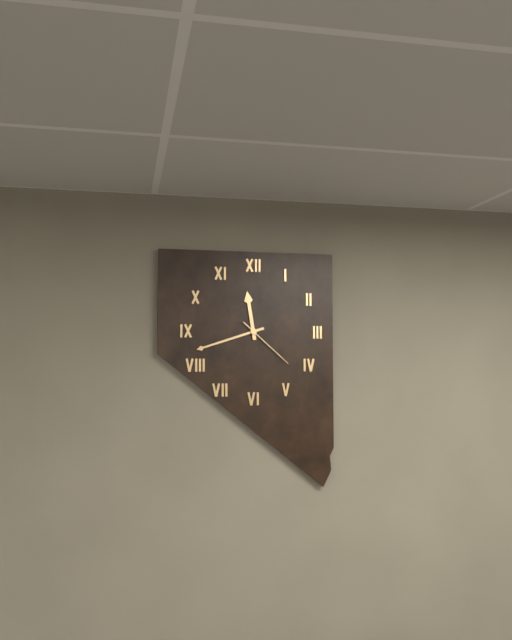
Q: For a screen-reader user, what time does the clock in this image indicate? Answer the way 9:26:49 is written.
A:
11:42:22
